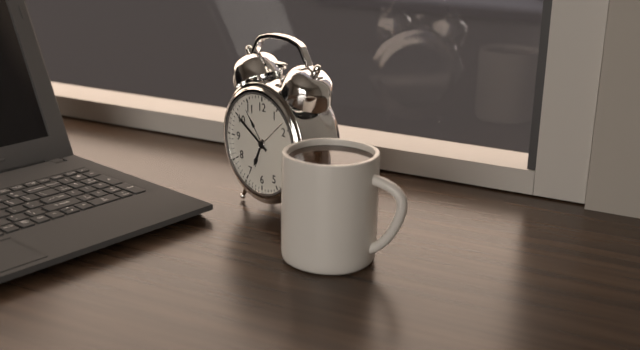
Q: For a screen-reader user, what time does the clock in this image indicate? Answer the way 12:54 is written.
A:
6:50
